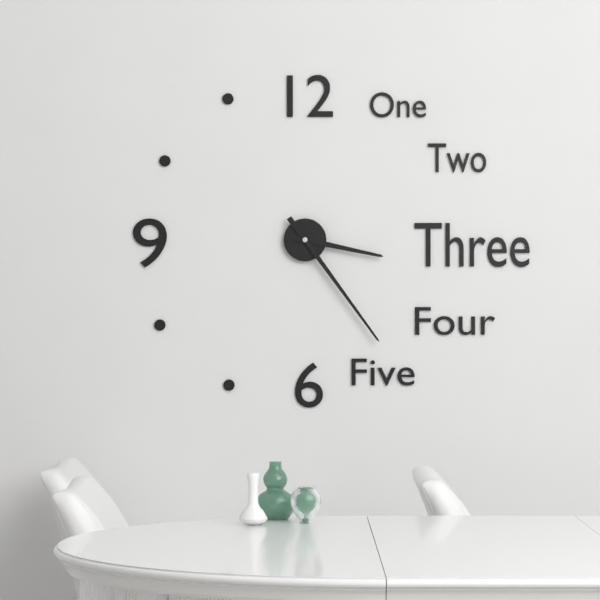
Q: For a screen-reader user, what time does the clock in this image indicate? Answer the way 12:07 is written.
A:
3:24
